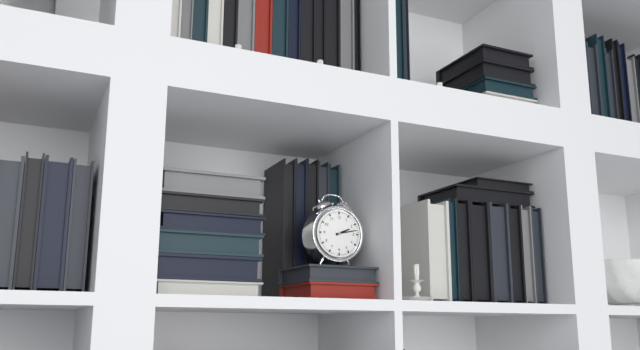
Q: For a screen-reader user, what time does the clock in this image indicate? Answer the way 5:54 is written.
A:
2:13
